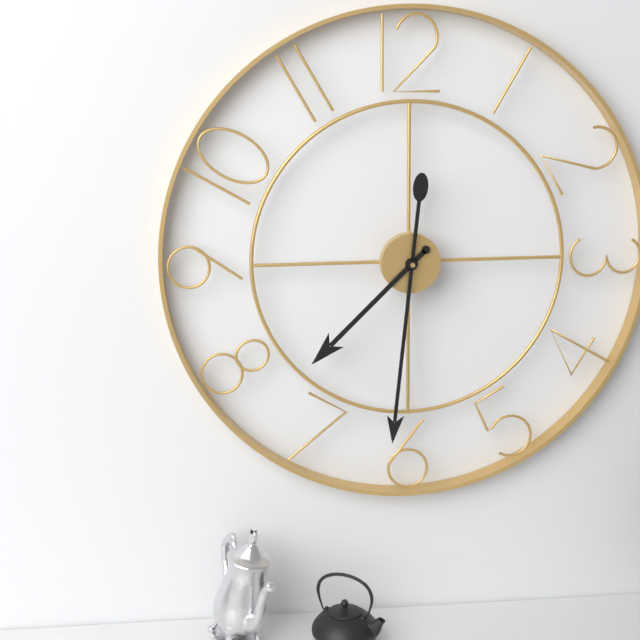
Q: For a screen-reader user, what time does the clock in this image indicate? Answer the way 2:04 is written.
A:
7:31
